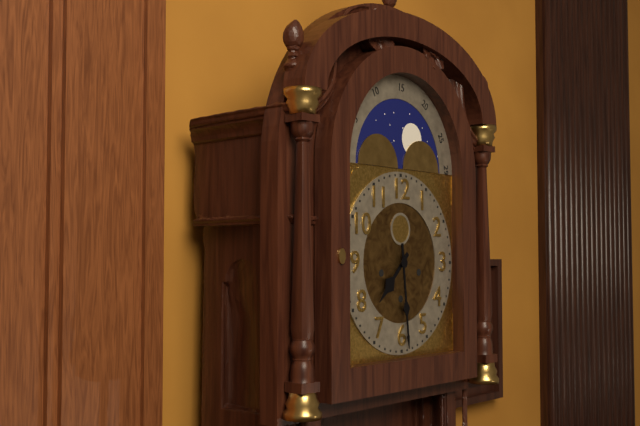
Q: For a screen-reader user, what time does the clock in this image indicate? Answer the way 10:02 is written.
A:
7:29
